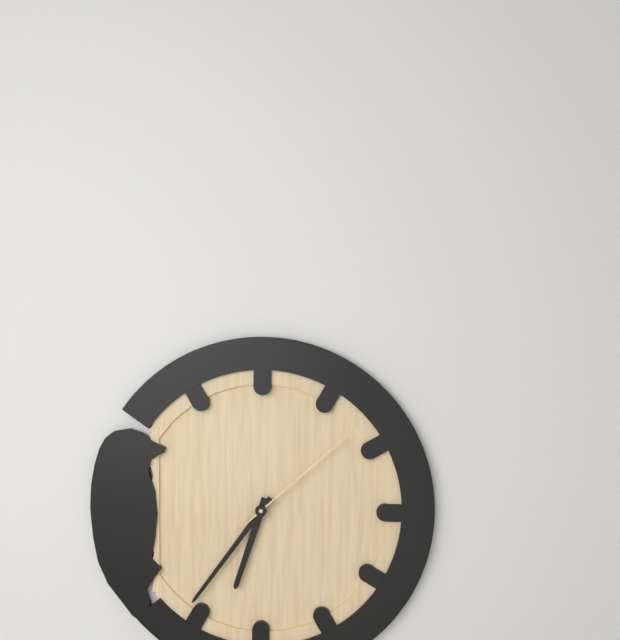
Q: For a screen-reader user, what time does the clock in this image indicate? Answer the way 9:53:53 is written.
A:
6:36:08
